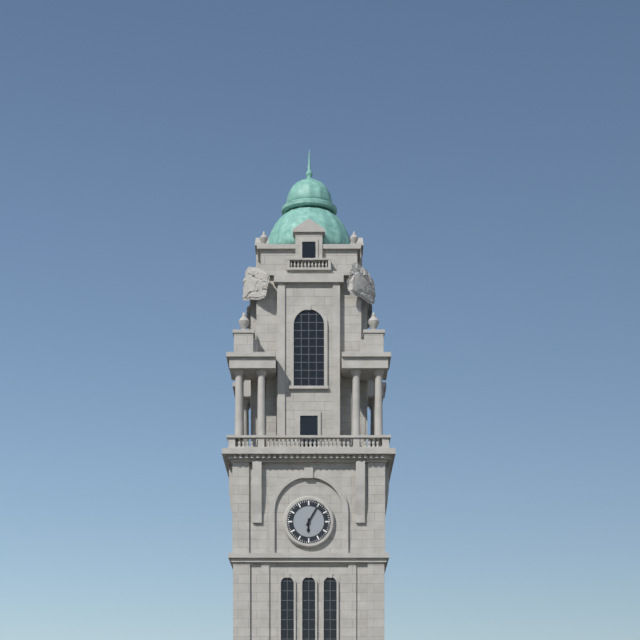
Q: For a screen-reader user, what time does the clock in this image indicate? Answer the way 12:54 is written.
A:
6:05
